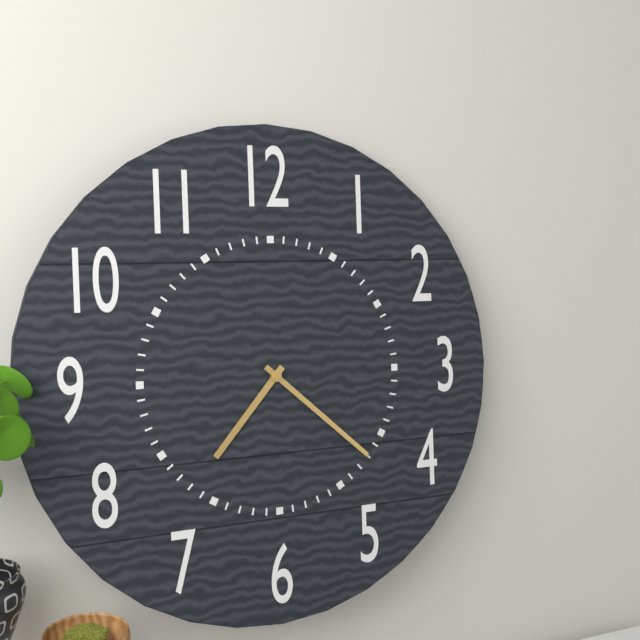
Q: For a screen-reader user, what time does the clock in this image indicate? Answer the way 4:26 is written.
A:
7:22
